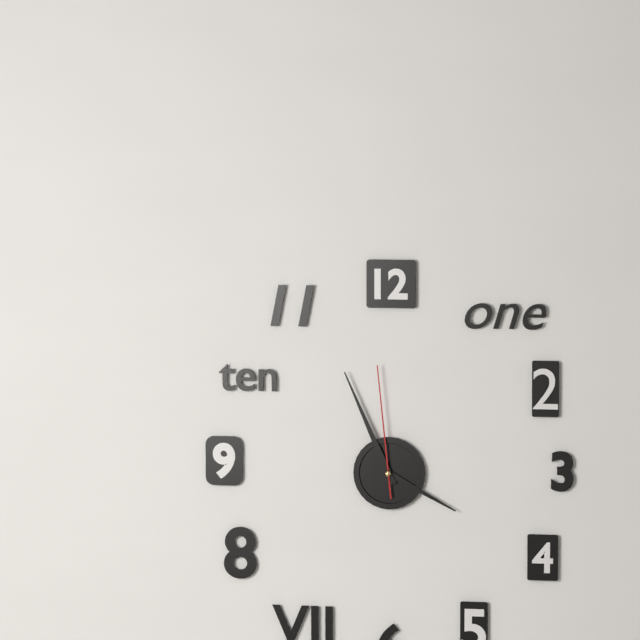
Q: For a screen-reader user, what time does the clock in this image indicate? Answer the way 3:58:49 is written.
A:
3:56:59
